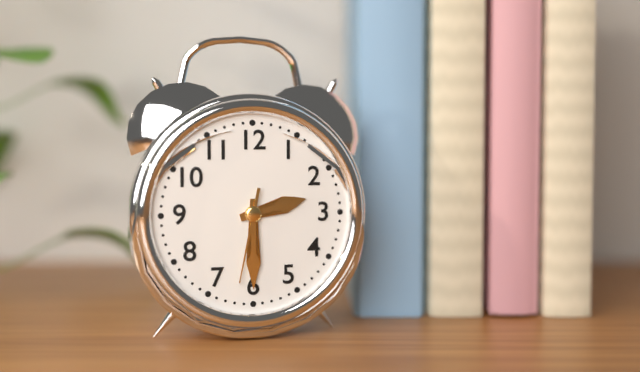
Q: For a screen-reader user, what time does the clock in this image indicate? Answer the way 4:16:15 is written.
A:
2:30:32
